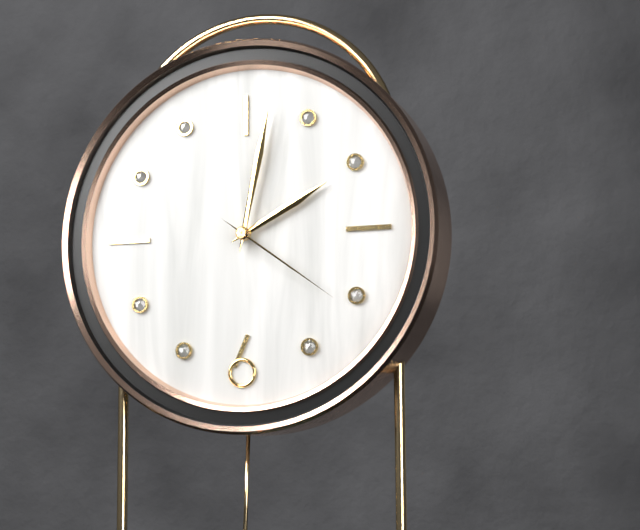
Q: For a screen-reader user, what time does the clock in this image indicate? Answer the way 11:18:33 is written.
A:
2:02:21
